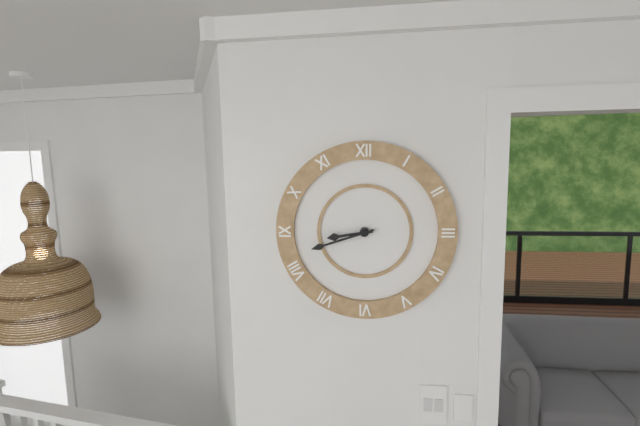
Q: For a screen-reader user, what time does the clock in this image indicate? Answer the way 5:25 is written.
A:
8:42
